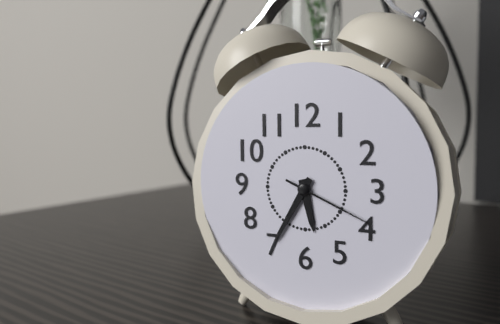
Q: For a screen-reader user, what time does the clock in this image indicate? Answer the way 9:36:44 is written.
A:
5:35:19
